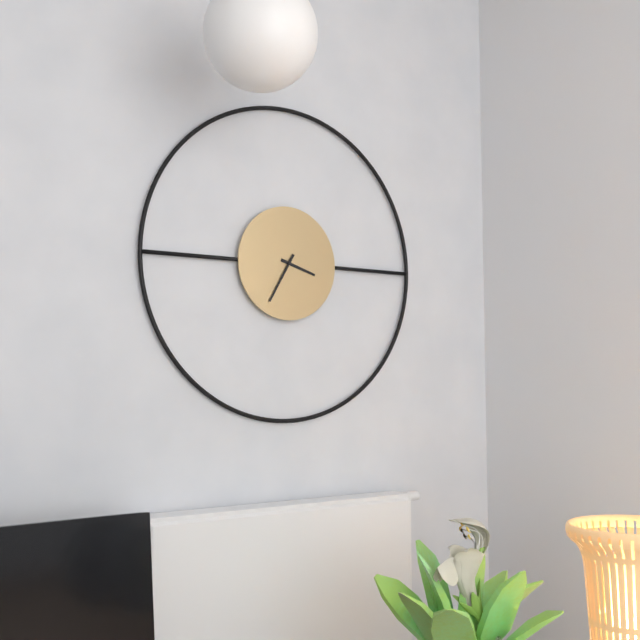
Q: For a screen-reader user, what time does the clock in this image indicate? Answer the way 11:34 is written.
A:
3:35
